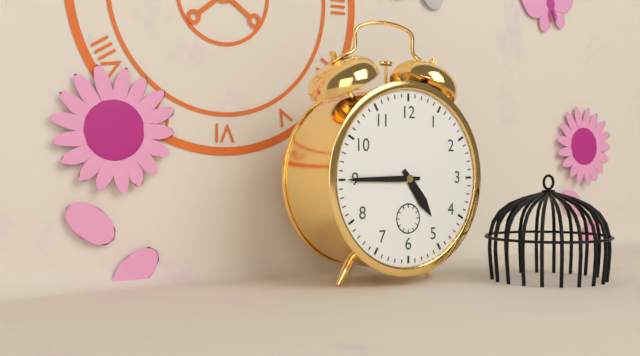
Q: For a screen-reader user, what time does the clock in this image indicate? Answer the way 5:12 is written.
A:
4:45
